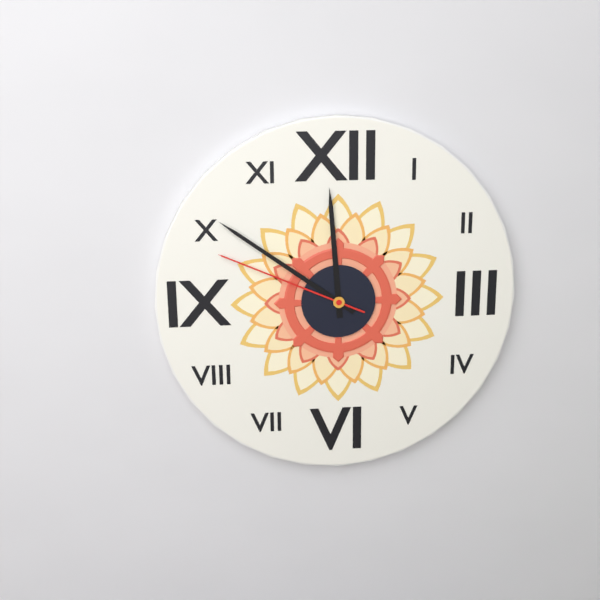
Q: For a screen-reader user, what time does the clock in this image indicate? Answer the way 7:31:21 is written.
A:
11:51:49
